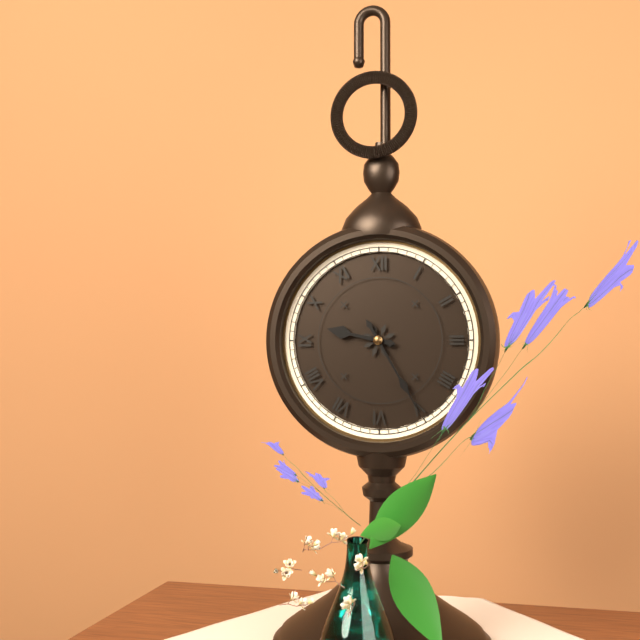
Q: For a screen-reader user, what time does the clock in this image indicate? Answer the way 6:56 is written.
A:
9:25
